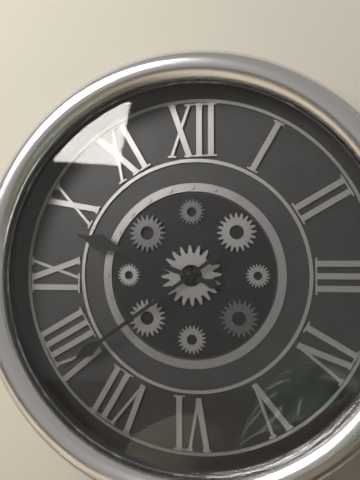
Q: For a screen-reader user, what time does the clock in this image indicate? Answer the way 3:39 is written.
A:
9:39
